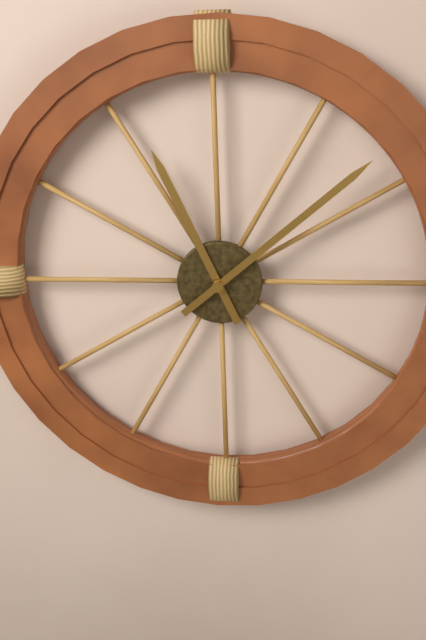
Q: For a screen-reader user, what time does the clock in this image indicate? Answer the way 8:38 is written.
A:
11:08
